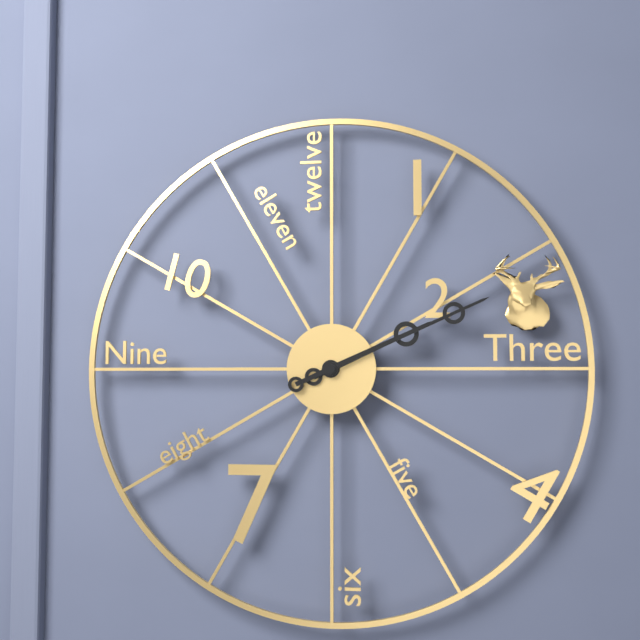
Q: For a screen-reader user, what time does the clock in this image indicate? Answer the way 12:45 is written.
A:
2:11
